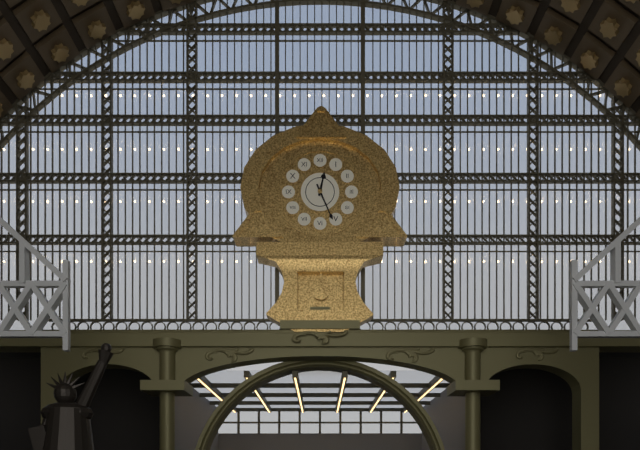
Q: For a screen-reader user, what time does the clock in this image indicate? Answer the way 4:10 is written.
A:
12:26
